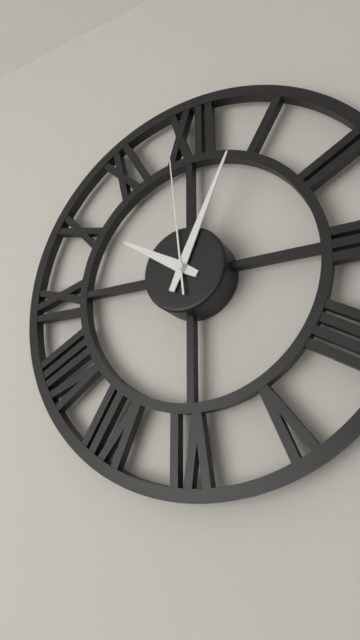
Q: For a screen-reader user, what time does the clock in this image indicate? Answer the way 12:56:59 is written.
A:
10:04:59
